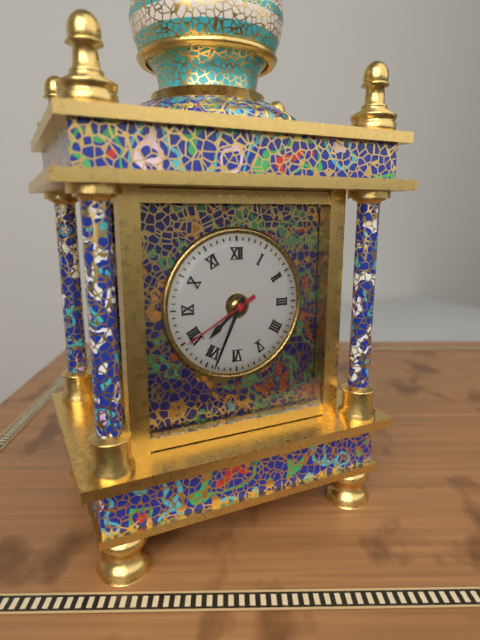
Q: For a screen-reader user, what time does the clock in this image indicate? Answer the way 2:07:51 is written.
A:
7:34:40
